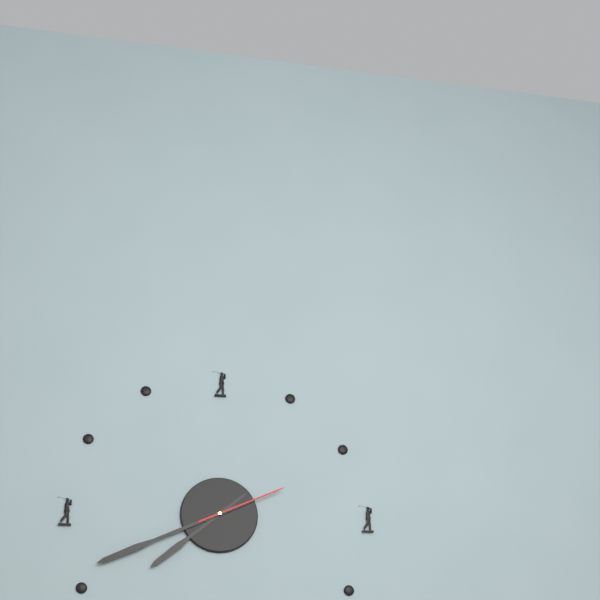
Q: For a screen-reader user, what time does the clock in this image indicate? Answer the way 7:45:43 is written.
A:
7:41:11
